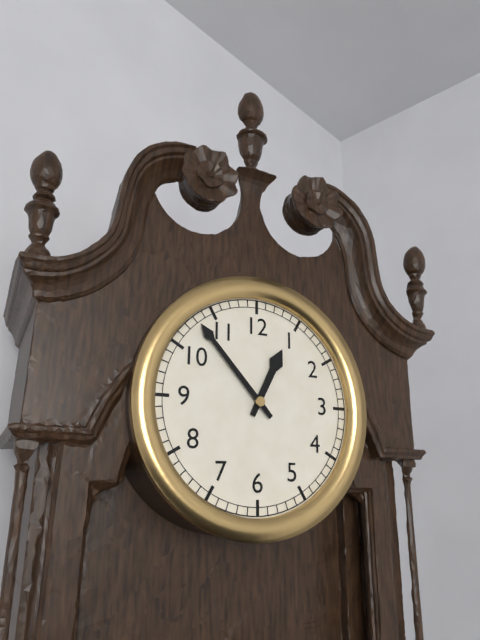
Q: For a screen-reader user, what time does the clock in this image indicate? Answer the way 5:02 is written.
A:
12:53
